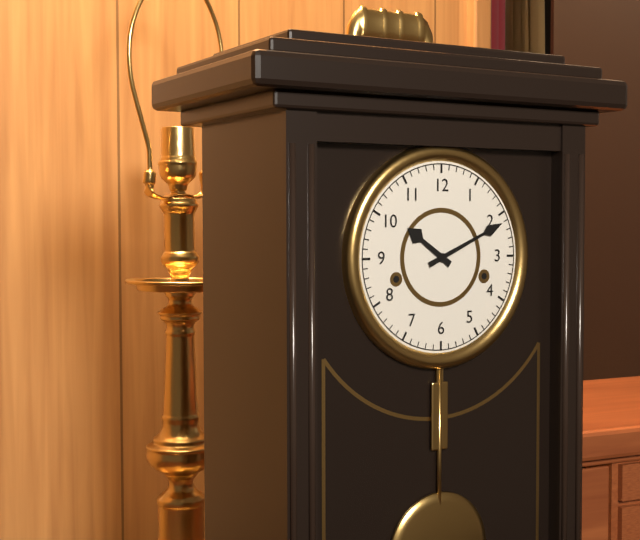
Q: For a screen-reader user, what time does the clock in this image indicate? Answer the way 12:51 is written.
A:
10:11
